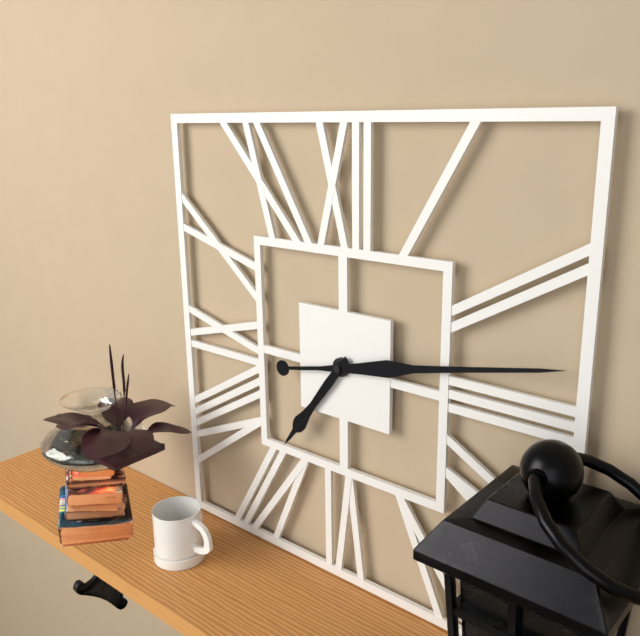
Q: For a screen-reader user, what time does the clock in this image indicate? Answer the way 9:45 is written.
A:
7:13
